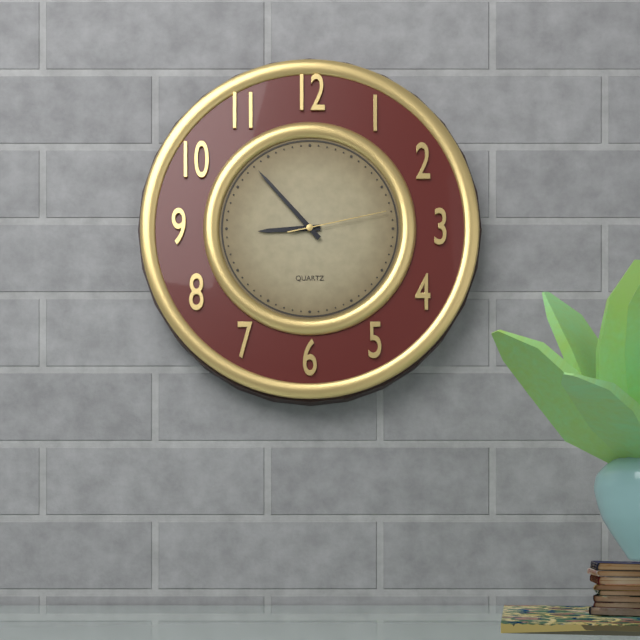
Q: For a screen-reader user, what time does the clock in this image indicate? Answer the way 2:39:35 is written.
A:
8:53:13
